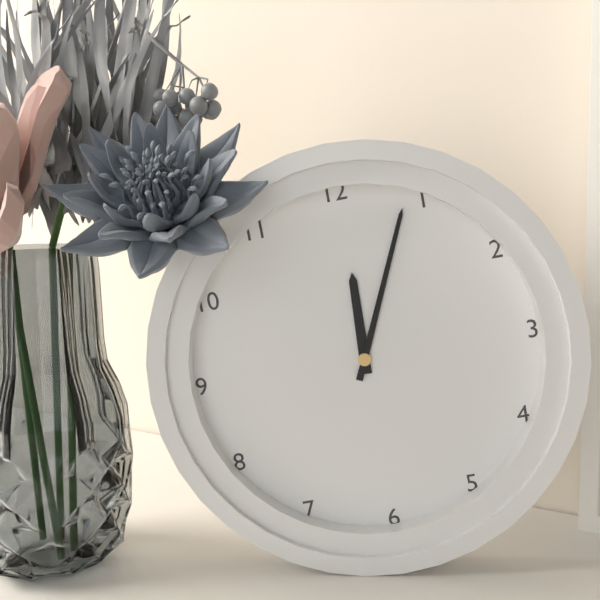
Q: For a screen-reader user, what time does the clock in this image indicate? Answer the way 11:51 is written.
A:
12:04
